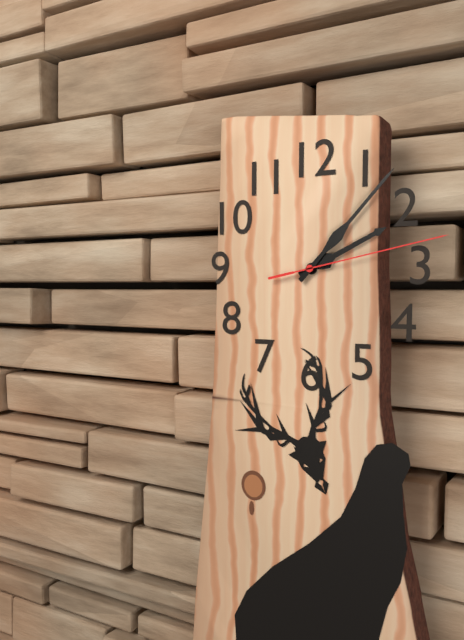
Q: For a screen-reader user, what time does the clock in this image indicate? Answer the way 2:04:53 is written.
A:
2:07:13
